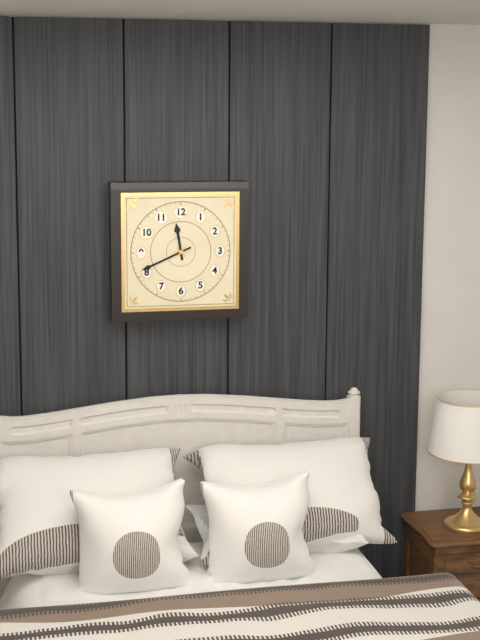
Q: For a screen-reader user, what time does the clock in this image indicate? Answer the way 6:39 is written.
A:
11:41
